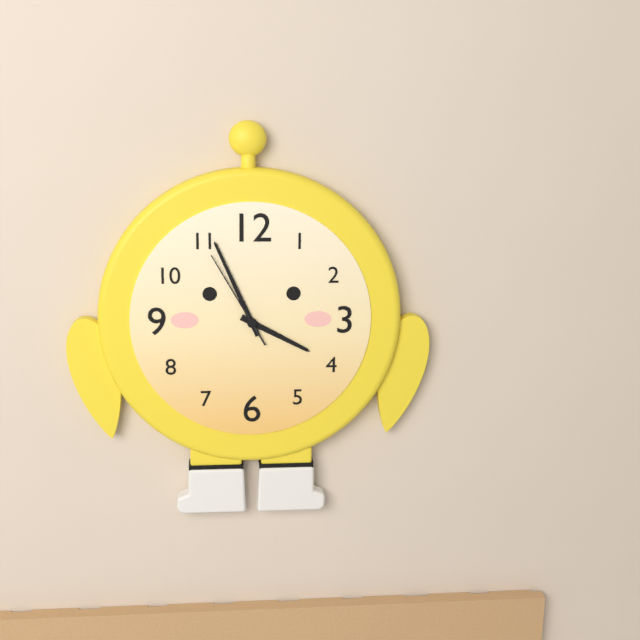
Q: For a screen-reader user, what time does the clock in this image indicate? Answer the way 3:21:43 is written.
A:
3:56:55
